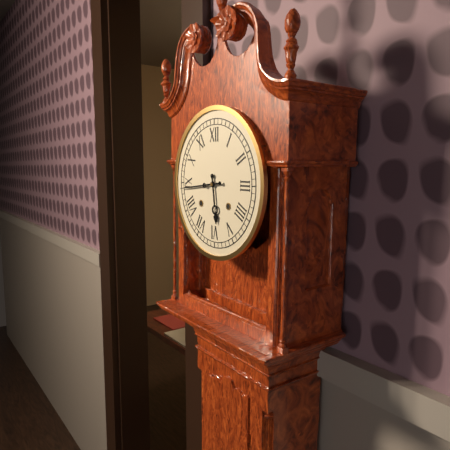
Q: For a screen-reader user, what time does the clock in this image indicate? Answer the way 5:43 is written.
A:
5:44
